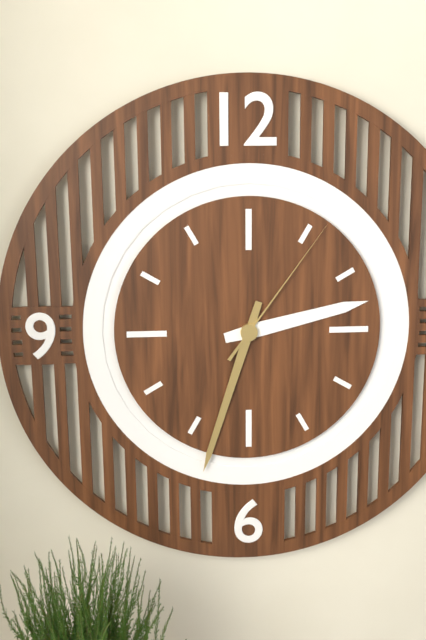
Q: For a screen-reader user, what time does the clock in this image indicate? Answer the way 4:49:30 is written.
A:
2:33:06
